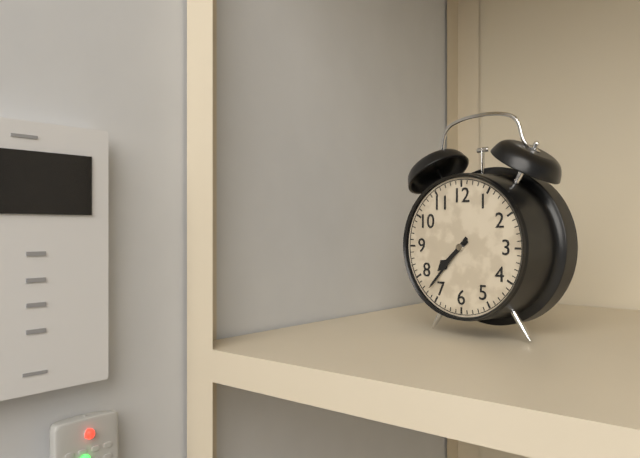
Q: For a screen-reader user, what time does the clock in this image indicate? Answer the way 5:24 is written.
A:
7:37
